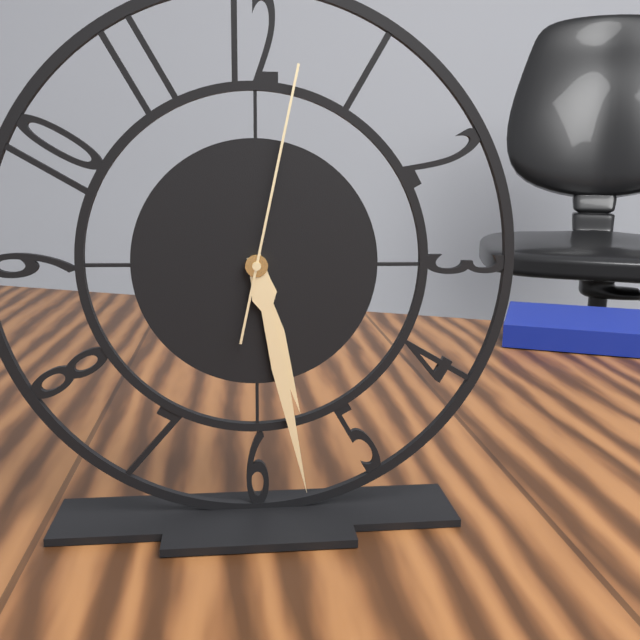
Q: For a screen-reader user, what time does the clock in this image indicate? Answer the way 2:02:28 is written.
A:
5:28:02
